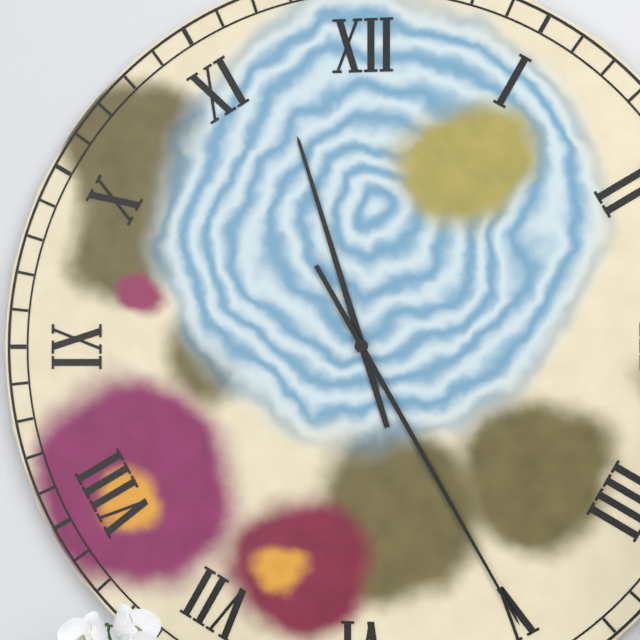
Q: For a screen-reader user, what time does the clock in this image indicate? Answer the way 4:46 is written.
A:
11:25
